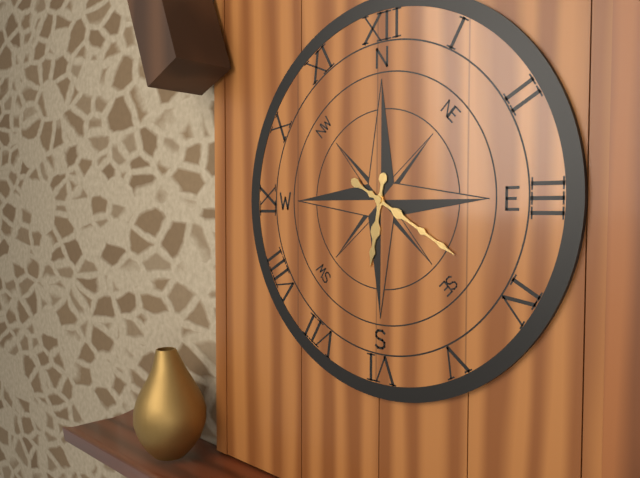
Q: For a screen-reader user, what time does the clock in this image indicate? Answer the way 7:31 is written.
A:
6:20
